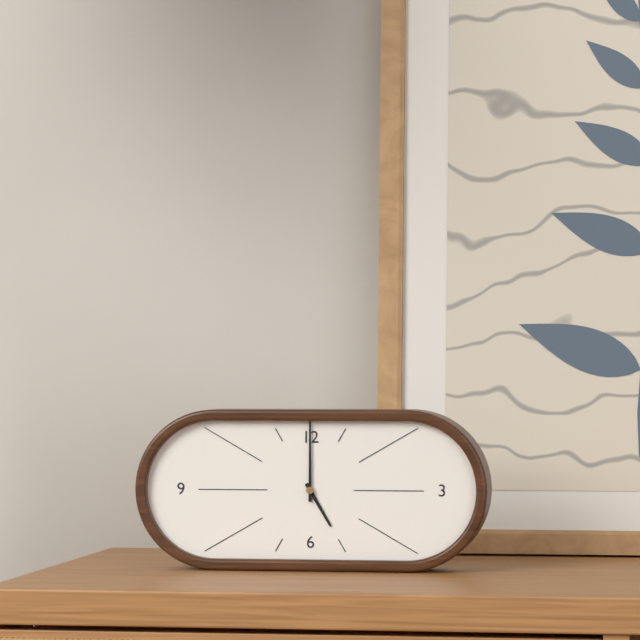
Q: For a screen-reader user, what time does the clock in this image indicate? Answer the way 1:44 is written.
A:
5:00
